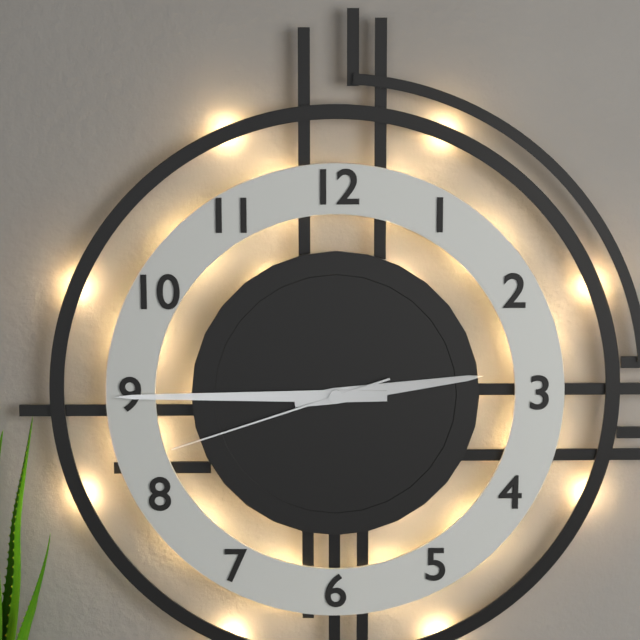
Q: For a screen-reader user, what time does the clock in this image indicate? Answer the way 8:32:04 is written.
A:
2:45:42
